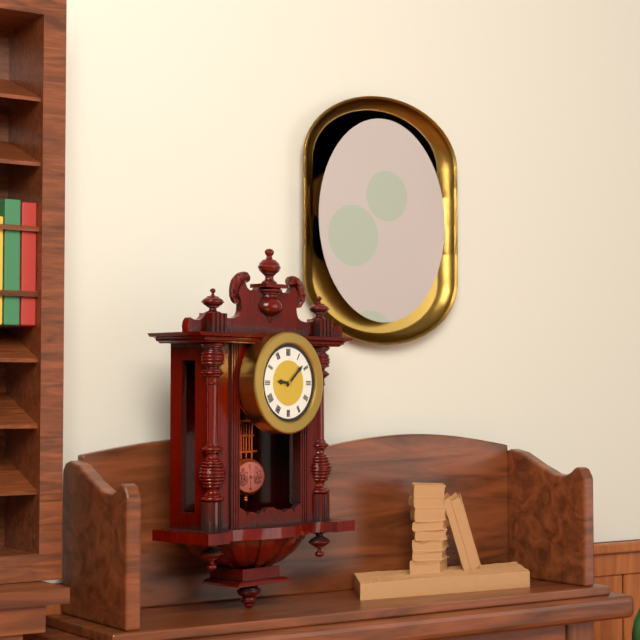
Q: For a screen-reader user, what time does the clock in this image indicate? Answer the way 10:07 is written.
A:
9:08
